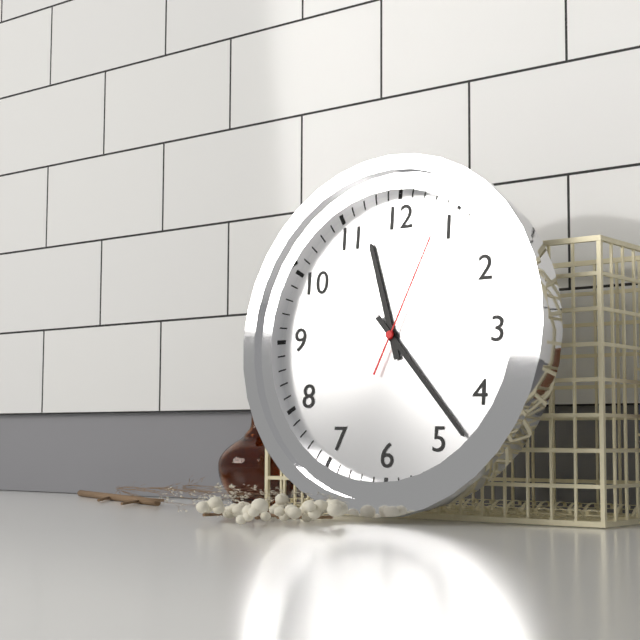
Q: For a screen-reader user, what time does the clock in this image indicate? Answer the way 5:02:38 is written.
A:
11:23:04
